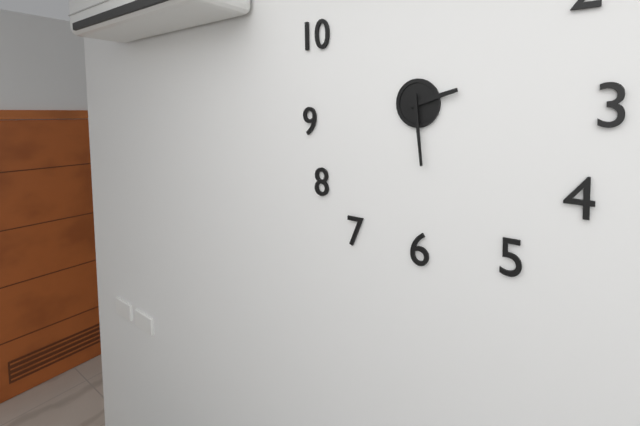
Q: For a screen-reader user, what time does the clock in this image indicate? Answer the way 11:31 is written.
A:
2:29
